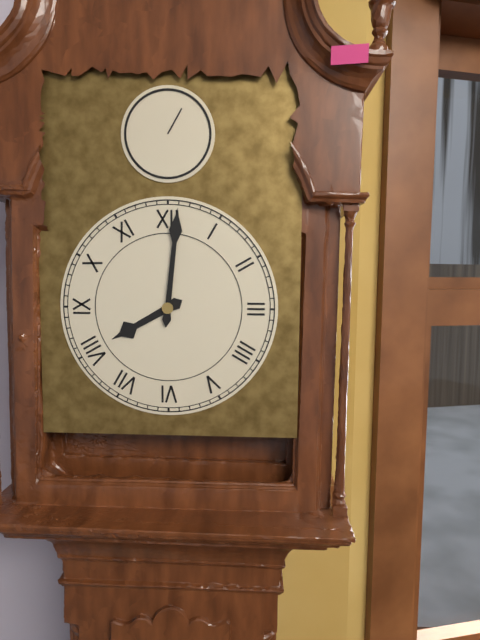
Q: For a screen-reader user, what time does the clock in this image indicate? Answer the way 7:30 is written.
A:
8:01
